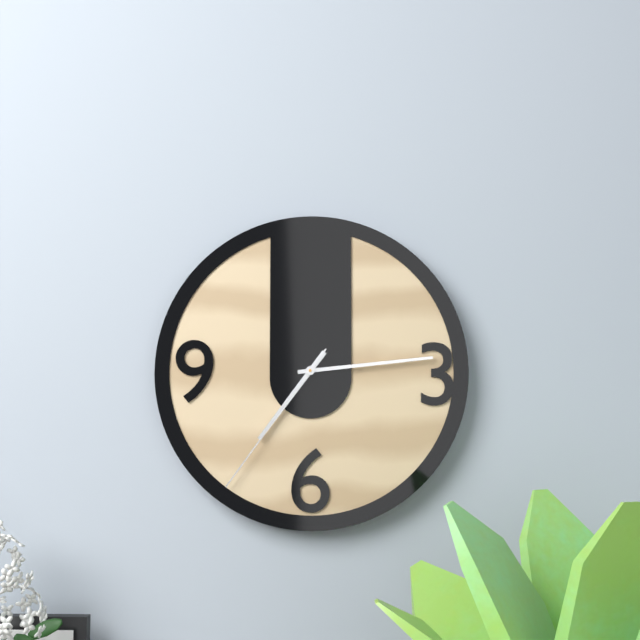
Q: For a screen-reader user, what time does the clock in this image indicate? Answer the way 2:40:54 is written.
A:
7:14:36
